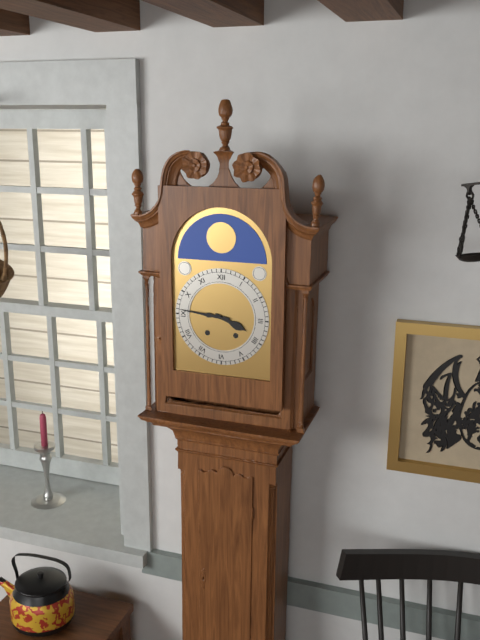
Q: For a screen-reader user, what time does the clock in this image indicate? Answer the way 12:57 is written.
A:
3:46
